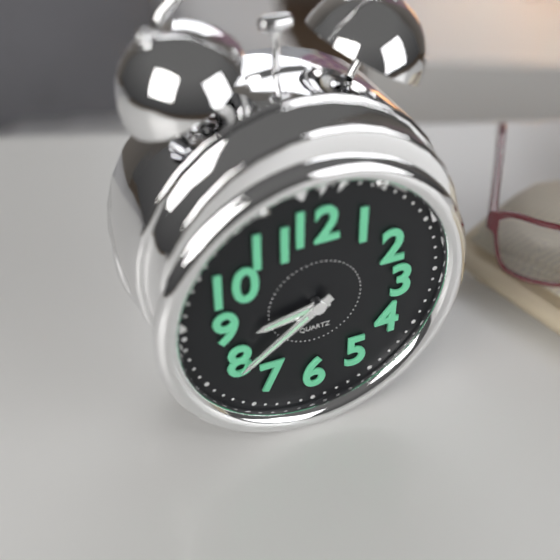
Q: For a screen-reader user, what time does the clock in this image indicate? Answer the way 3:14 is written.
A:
8:39
